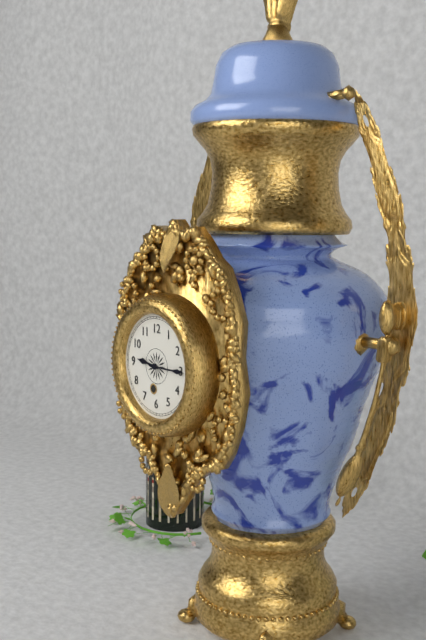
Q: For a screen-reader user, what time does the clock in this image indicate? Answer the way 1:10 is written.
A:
9:15
